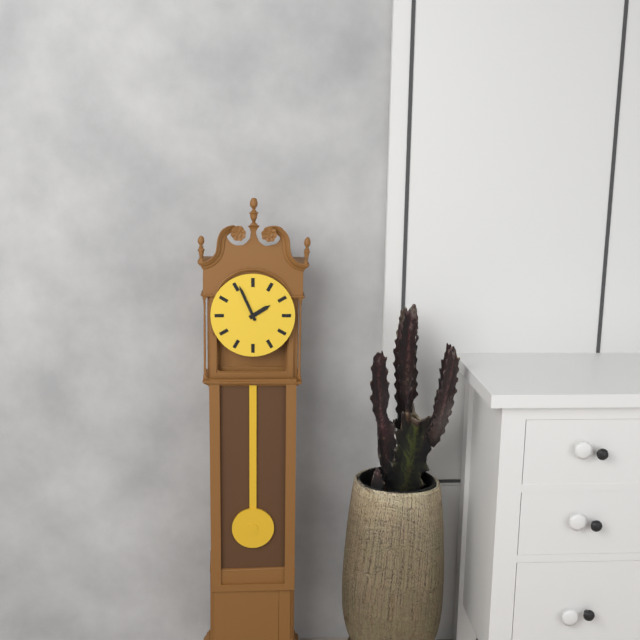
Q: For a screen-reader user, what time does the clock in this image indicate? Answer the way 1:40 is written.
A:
1:56
